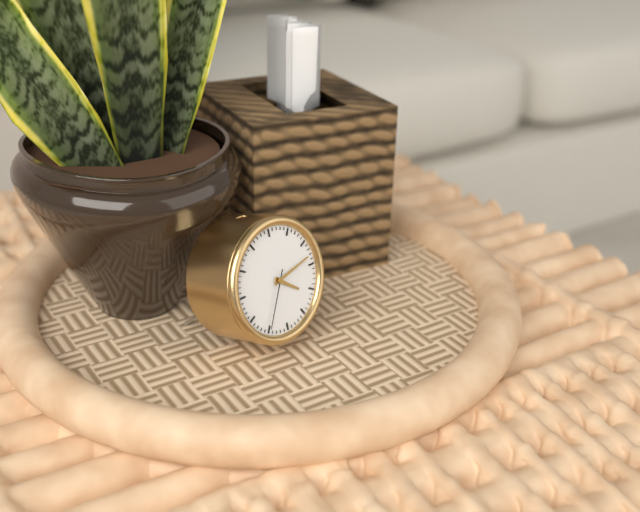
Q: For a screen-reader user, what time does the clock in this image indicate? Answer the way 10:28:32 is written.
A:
4:13:35
